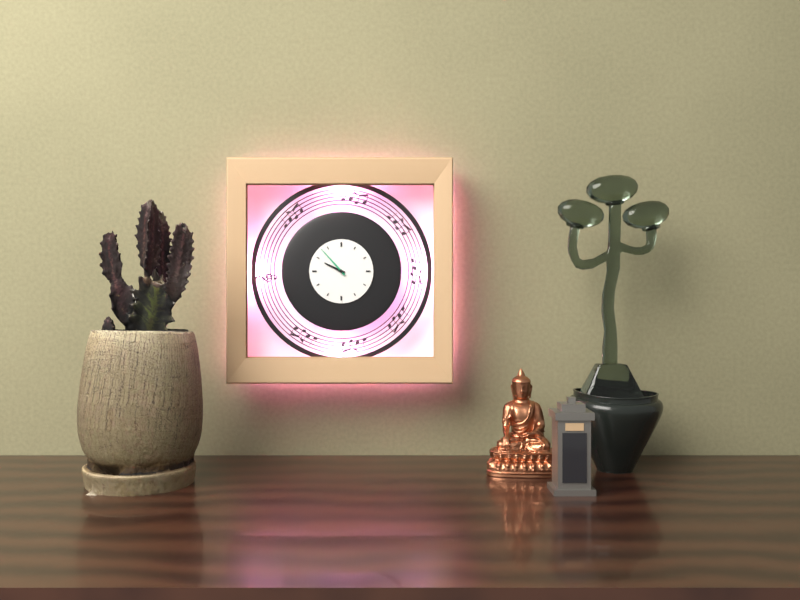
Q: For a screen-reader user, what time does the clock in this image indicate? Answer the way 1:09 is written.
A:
9:53
